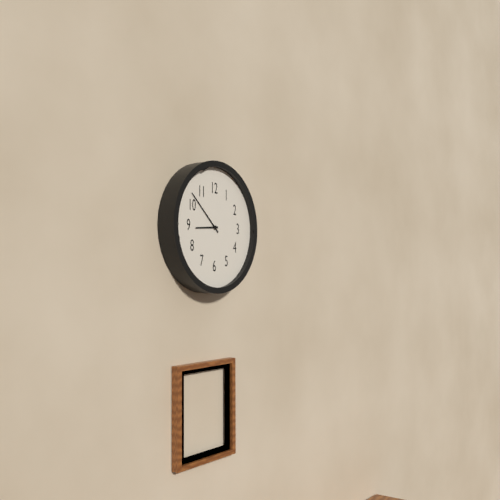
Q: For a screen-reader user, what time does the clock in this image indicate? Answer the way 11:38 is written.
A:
8:52
